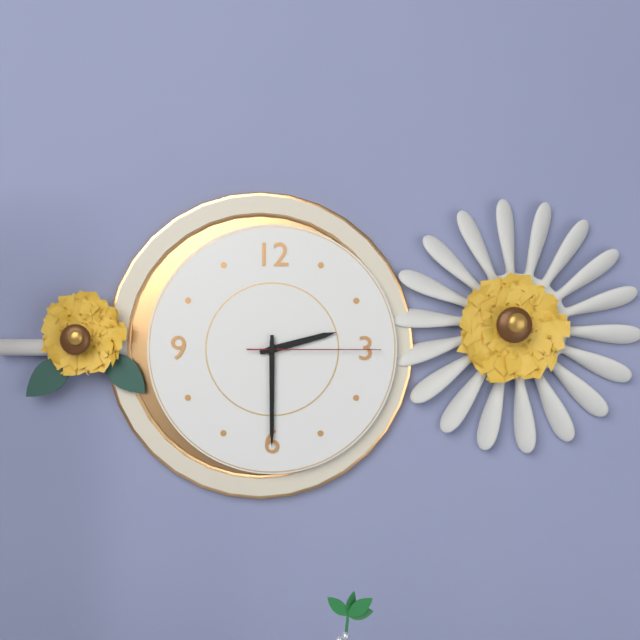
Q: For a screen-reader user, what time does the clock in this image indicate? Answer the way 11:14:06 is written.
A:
2:30:15
